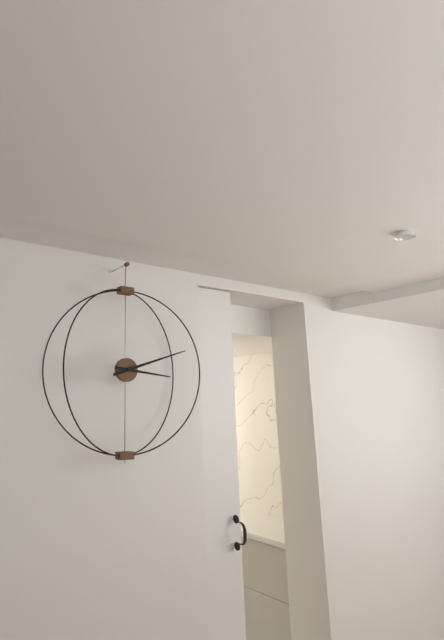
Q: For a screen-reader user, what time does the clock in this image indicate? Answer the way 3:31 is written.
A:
3:12
